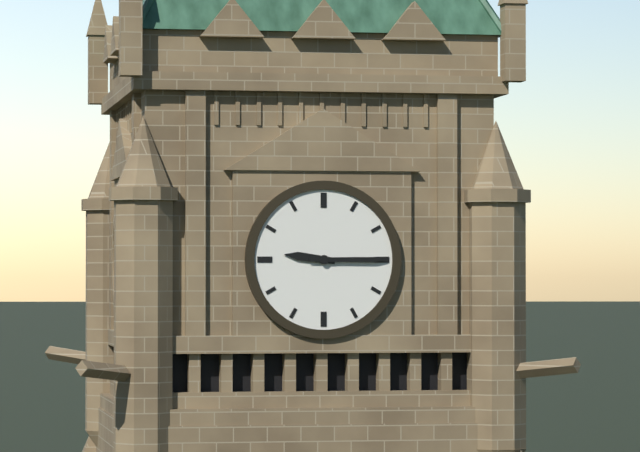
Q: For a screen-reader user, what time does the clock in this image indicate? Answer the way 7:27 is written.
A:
9:15
